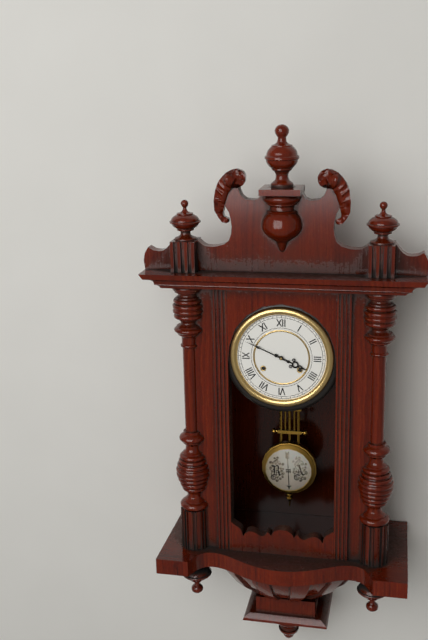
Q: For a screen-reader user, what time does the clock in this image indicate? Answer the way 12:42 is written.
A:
3:49
